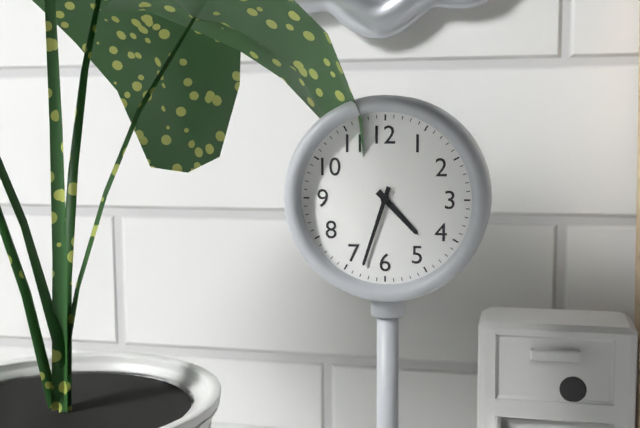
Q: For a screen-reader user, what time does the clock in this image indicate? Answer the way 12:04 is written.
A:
4:33
